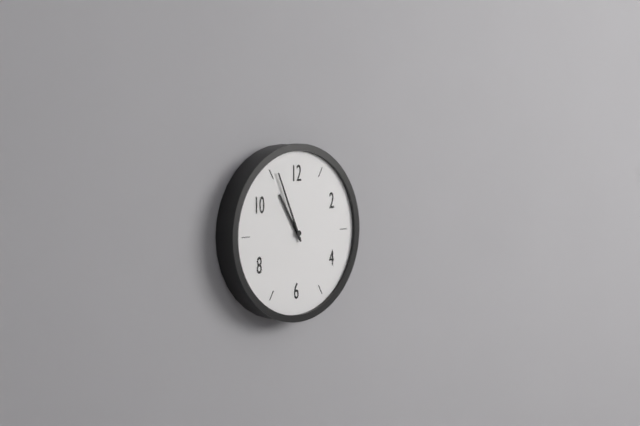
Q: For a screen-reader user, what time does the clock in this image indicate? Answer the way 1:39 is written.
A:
10:56
